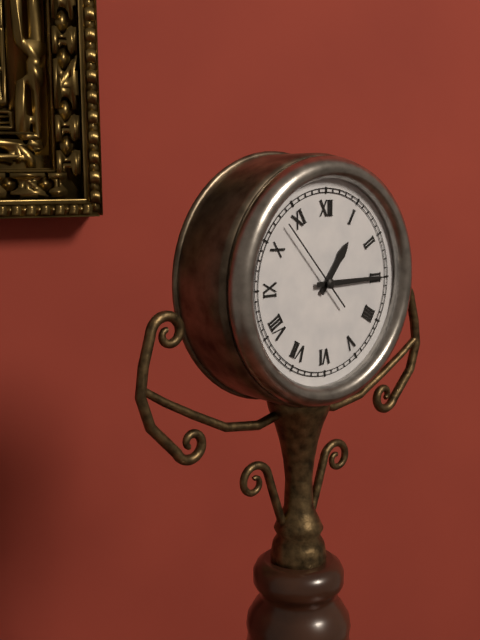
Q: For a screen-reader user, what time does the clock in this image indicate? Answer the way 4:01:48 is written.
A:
1:15:53
